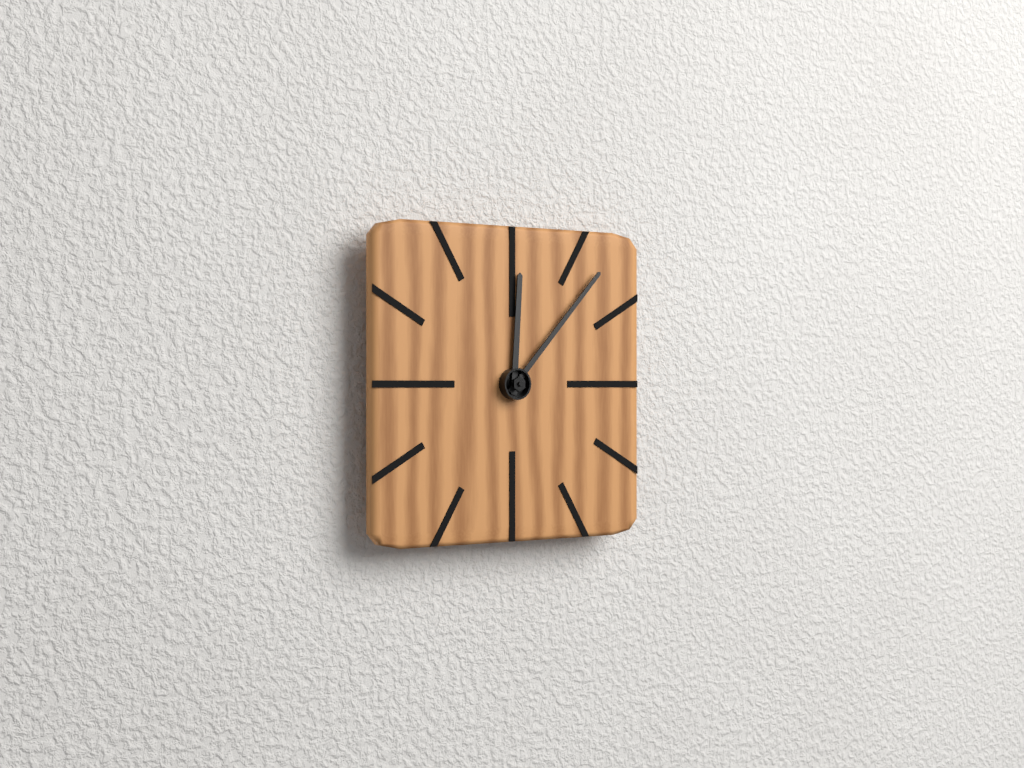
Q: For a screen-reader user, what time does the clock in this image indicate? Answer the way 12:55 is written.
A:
12:07
